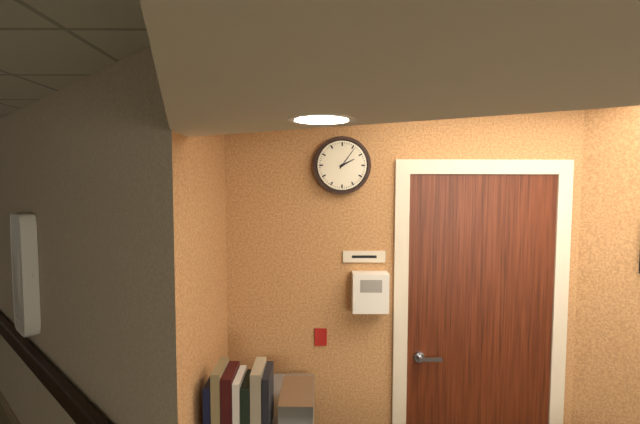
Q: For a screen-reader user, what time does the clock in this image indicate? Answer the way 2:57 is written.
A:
2:06
